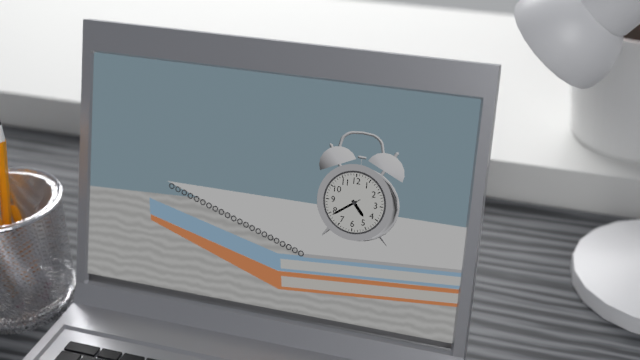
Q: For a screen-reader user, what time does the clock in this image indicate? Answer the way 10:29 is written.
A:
4:39
